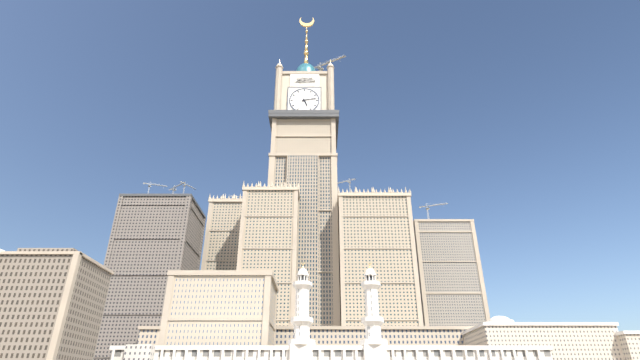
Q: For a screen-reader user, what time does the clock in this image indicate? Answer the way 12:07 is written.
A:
5:13
